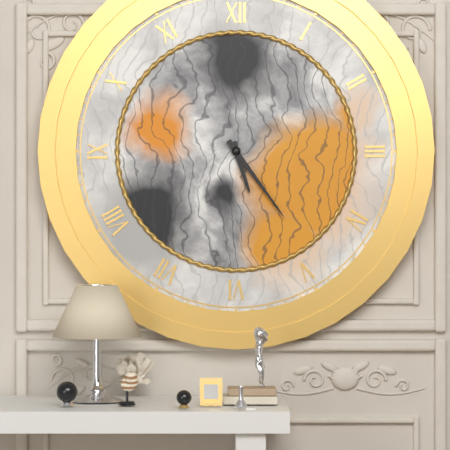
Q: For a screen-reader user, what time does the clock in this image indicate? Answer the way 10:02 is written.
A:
5:24
